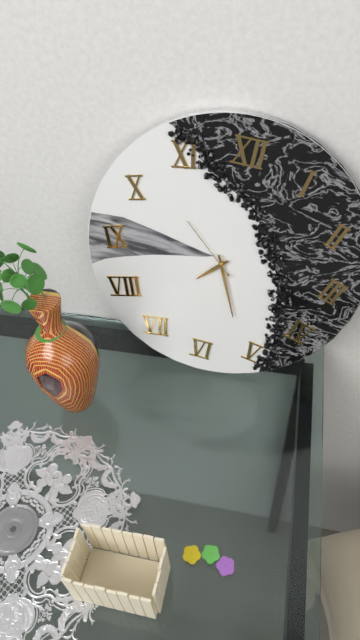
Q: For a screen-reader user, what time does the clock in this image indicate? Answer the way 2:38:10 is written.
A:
7:26:52
